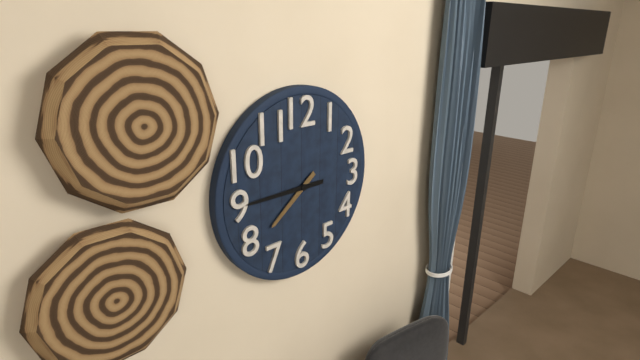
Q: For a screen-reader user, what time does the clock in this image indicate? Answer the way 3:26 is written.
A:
7:45
